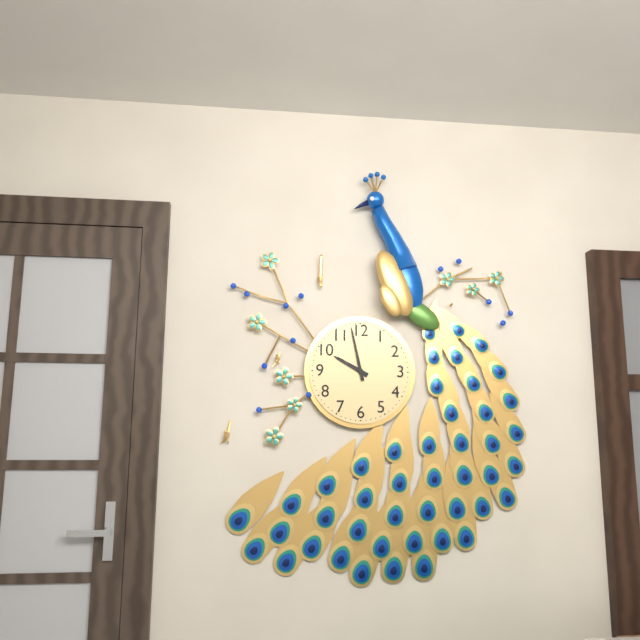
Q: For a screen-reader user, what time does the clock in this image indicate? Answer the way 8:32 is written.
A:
9:58
